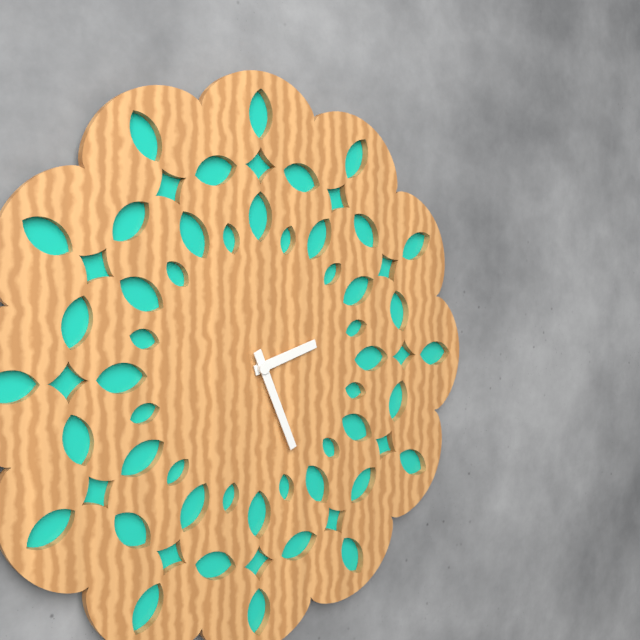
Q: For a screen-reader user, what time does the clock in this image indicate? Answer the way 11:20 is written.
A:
2:26
